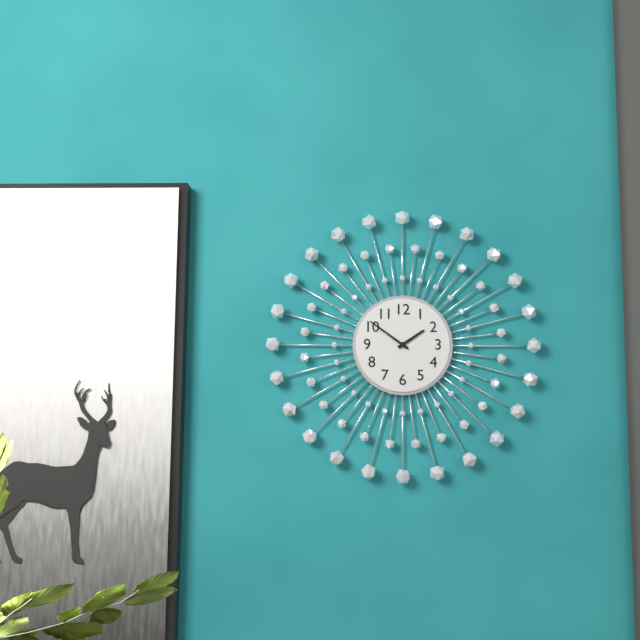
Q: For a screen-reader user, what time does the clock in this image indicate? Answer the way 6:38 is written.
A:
1:51
